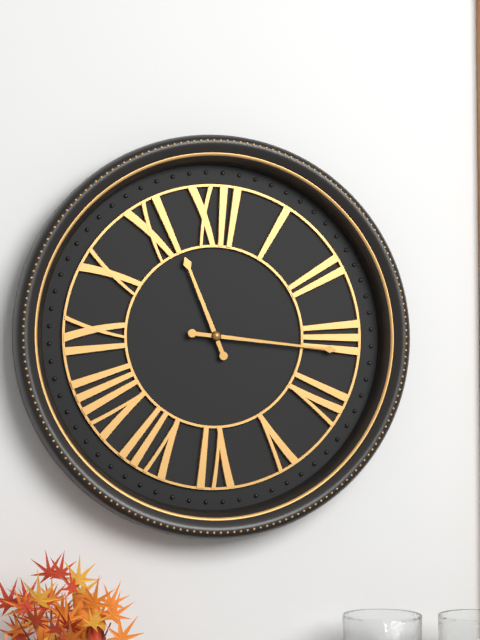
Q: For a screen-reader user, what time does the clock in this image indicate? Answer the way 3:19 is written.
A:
11:16
